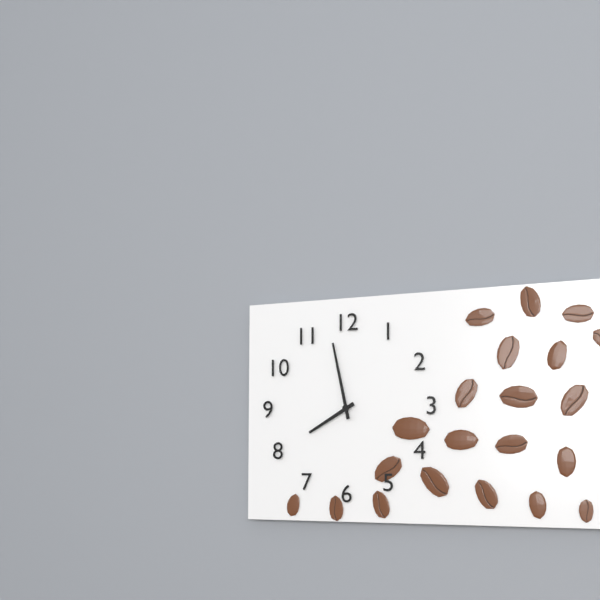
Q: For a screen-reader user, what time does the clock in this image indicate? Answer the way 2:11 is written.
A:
7:58
